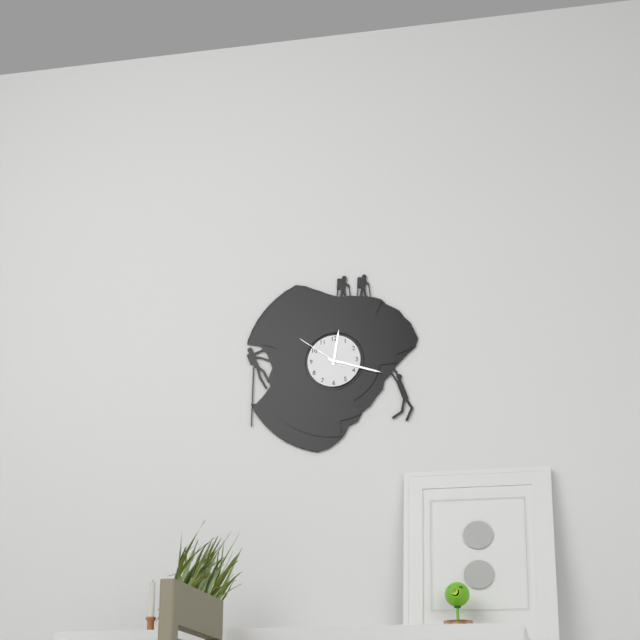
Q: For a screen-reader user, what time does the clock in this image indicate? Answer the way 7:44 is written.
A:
12:18
